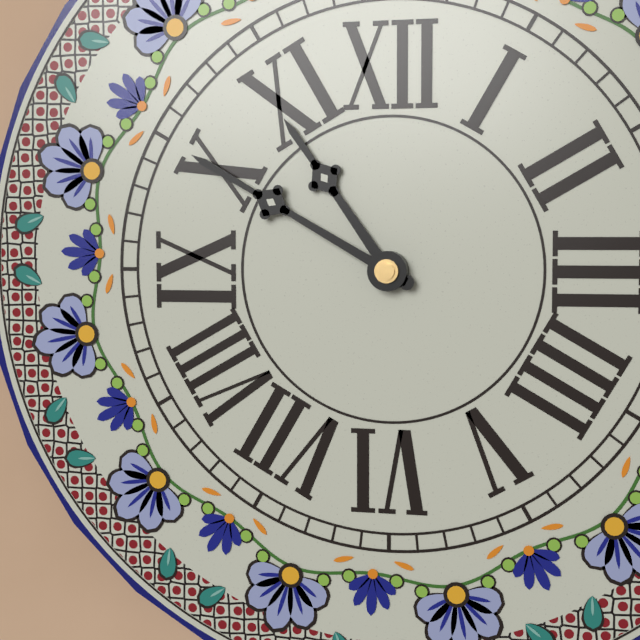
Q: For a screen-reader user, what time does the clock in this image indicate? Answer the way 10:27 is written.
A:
10:50
